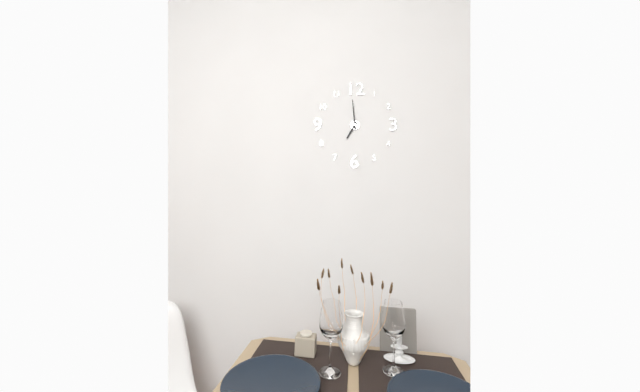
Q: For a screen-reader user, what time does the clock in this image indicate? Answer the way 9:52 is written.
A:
6:59
